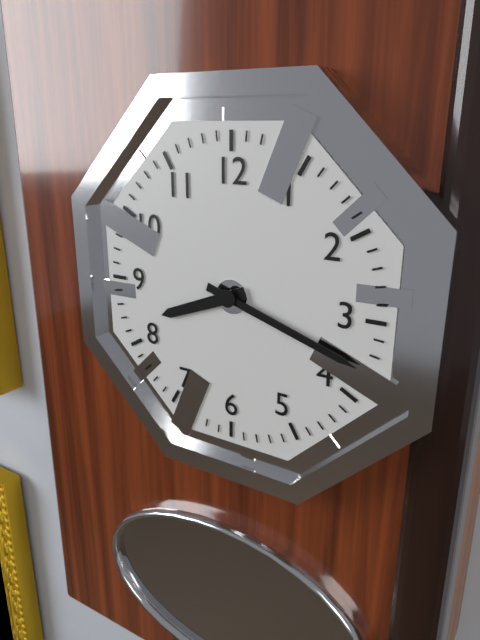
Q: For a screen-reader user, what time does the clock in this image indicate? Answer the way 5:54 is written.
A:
8:18
